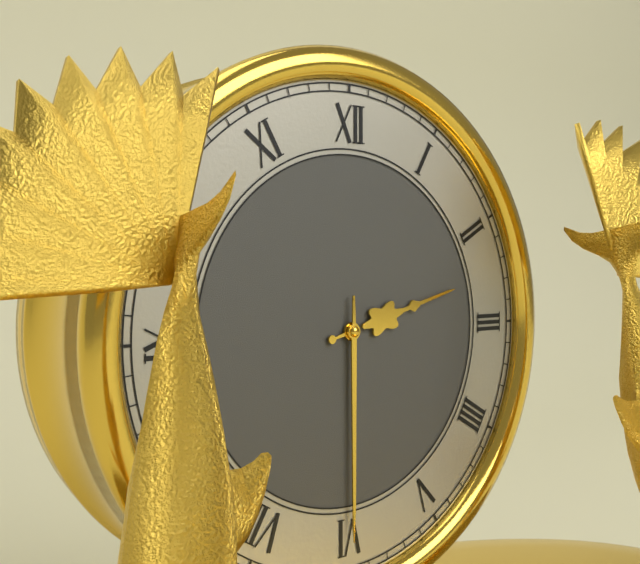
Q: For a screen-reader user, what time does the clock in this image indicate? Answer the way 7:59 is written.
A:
2:30
